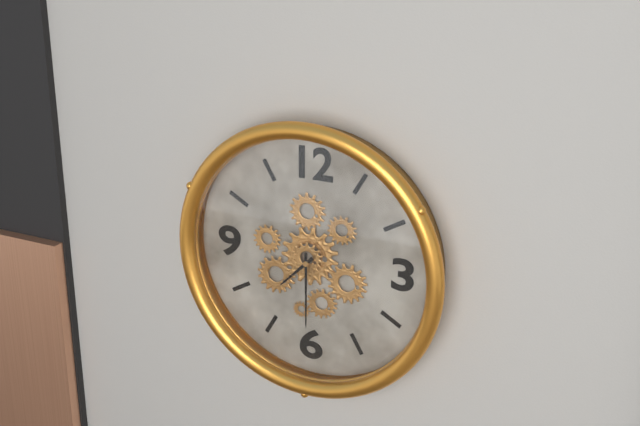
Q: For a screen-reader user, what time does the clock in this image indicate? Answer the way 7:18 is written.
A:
7:30
